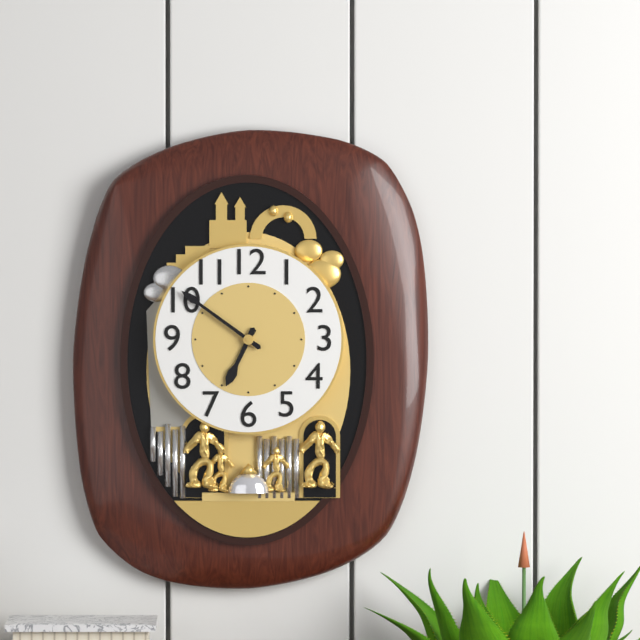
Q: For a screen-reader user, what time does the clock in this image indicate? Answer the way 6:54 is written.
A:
6:51
